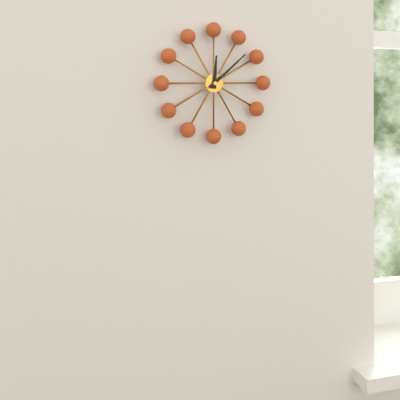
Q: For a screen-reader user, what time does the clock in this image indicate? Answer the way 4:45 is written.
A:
12:08
